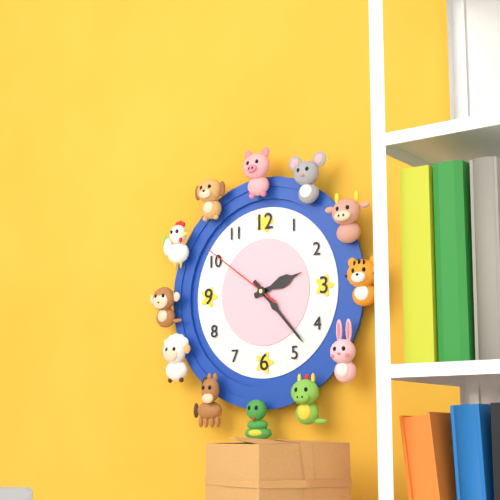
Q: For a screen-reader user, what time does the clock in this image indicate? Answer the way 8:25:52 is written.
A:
2:23:51
